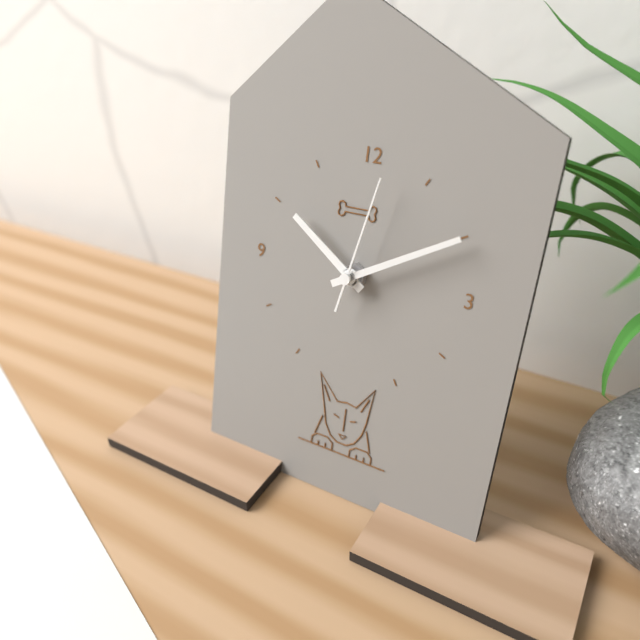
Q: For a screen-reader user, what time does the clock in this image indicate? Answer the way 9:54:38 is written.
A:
10:10:02
